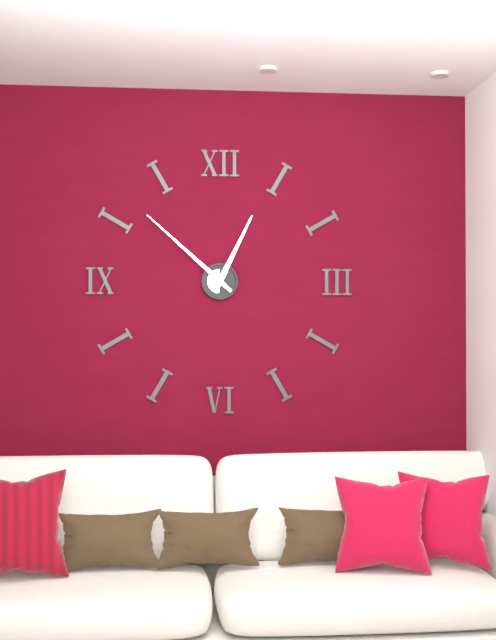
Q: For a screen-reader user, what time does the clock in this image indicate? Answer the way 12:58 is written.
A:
12:52
